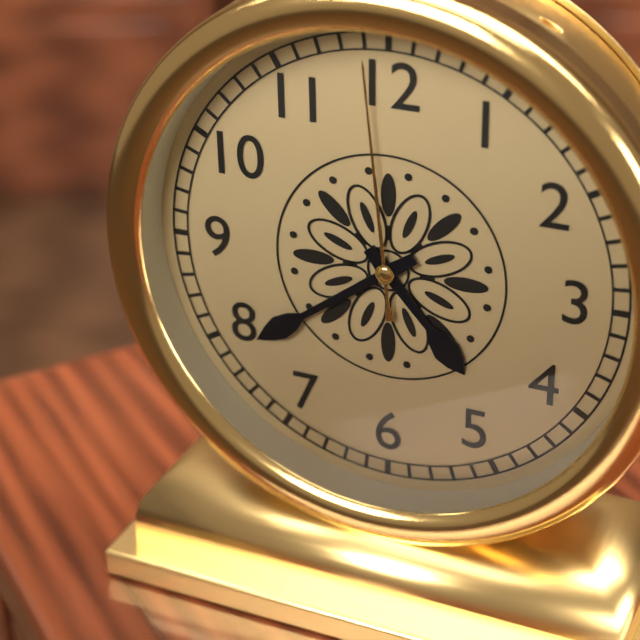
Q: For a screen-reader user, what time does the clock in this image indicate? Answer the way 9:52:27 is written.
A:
4:39:59
